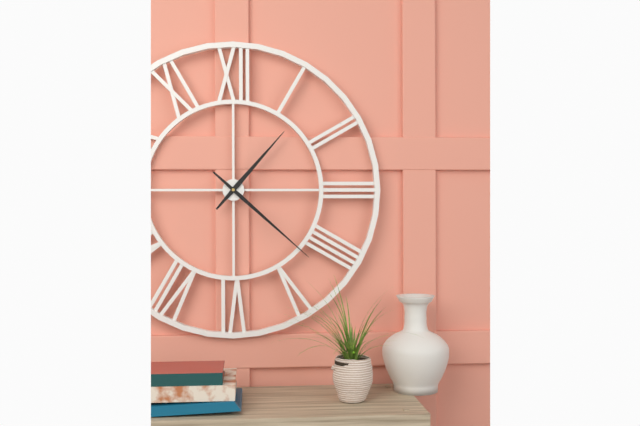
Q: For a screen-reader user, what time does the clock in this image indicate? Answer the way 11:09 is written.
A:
1:22
